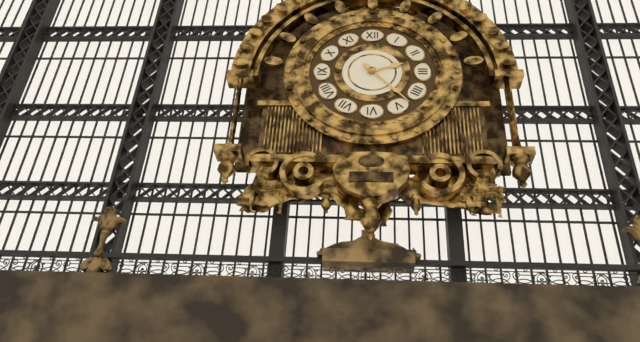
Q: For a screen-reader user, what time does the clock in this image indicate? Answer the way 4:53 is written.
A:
2:23
